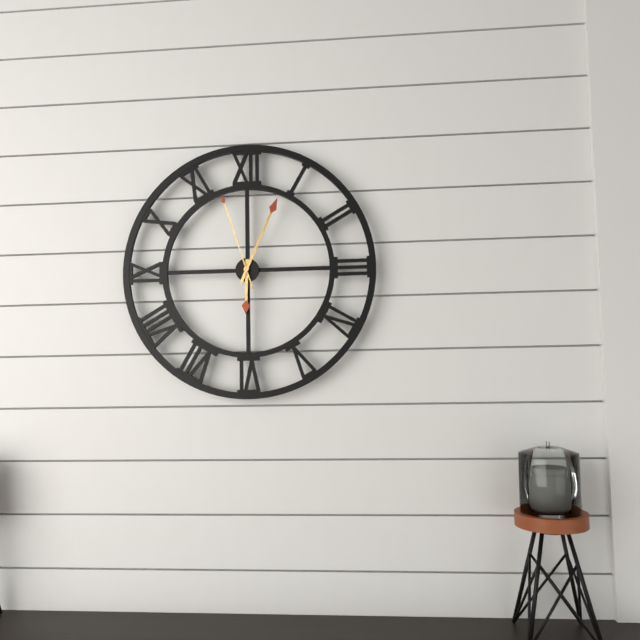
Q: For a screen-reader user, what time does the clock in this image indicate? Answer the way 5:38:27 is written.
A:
6:04:57
